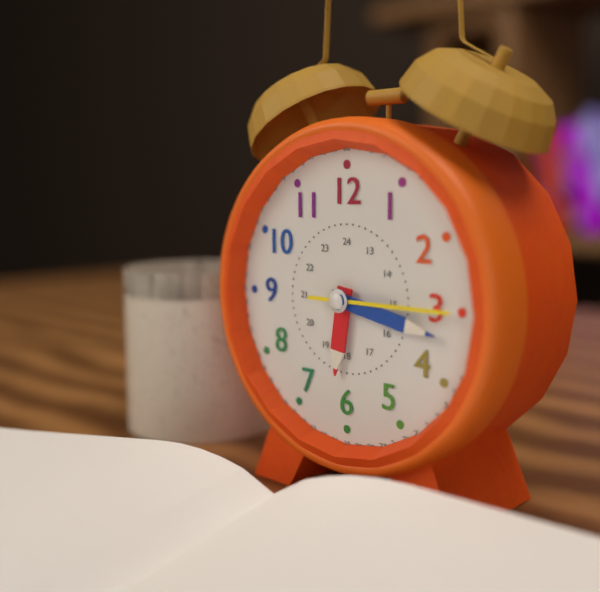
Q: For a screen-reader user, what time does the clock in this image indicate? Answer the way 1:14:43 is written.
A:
6:17:15
